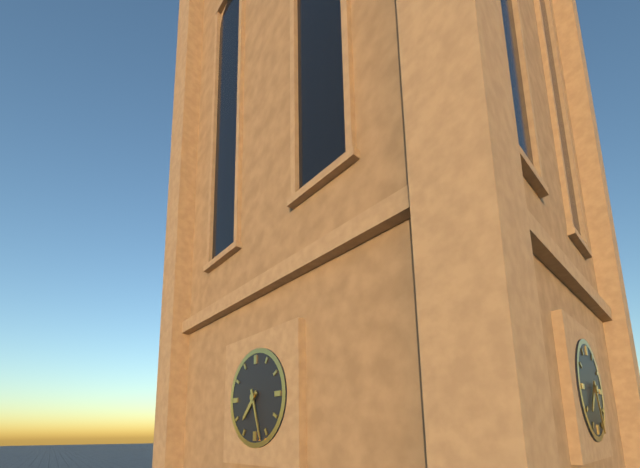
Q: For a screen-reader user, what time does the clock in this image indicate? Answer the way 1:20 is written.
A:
7:27
